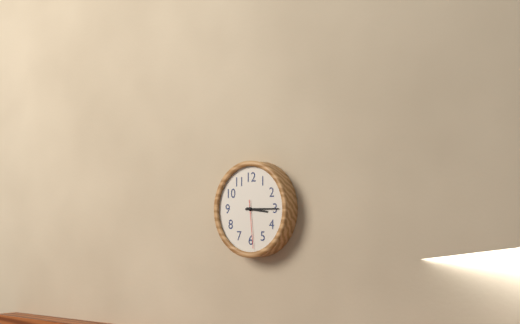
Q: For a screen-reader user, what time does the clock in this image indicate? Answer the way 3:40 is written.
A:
3:15
